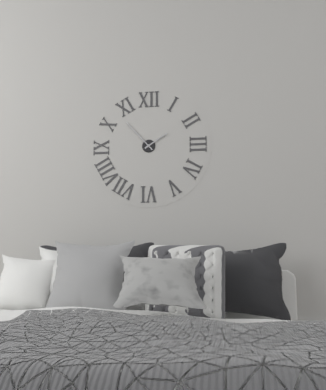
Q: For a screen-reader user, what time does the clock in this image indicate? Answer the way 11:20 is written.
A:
1:53
